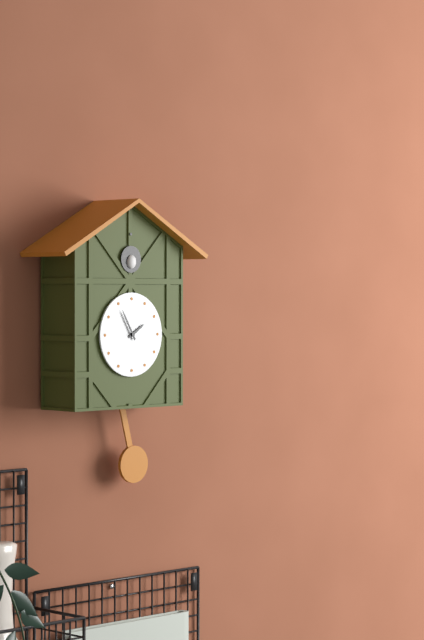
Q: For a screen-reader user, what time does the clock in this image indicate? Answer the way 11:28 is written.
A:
1:55
